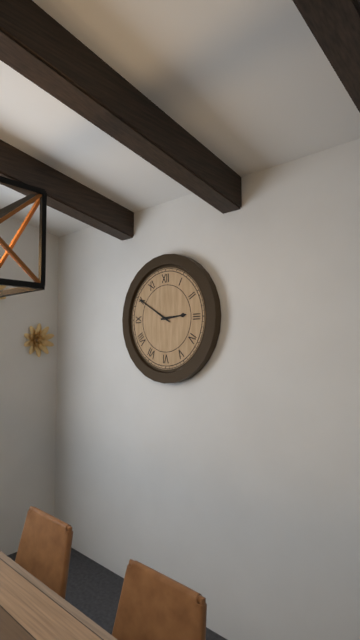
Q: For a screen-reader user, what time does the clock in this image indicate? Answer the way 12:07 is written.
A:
2:50
